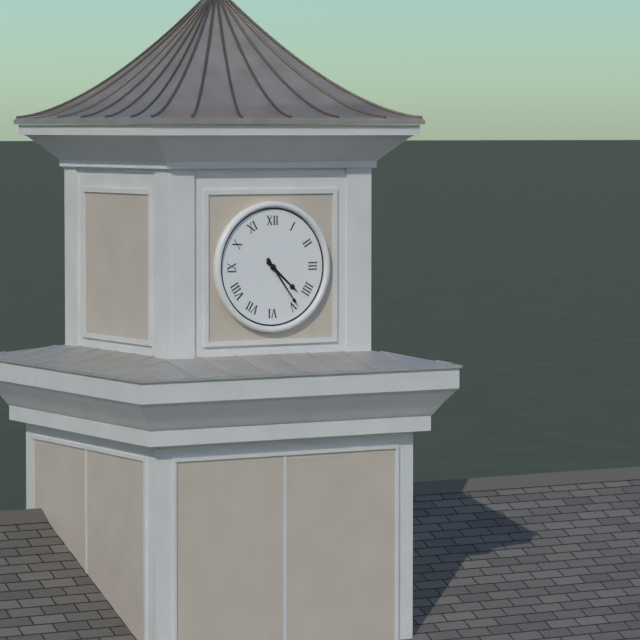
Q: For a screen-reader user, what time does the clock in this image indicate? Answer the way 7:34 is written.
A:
4:24
